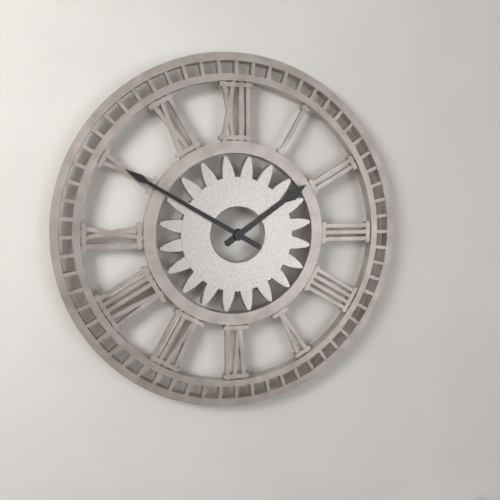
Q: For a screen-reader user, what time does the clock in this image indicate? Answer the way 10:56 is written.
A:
1:50
